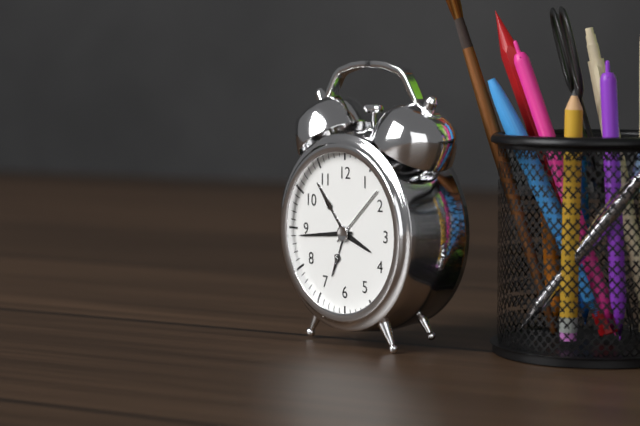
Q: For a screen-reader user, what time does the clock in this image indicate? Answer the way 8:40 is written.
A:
3:44
